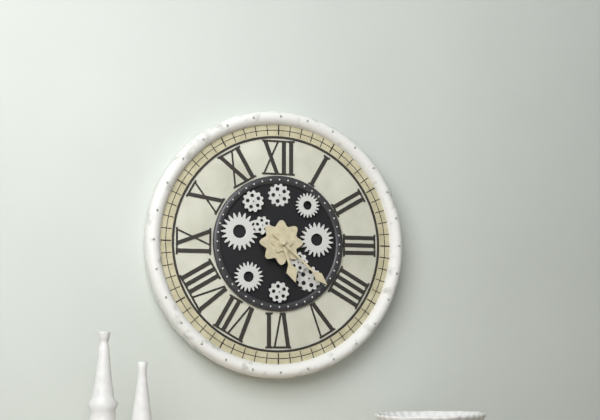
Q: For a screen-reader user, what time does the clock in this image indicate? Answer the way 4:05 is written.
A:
5:22
